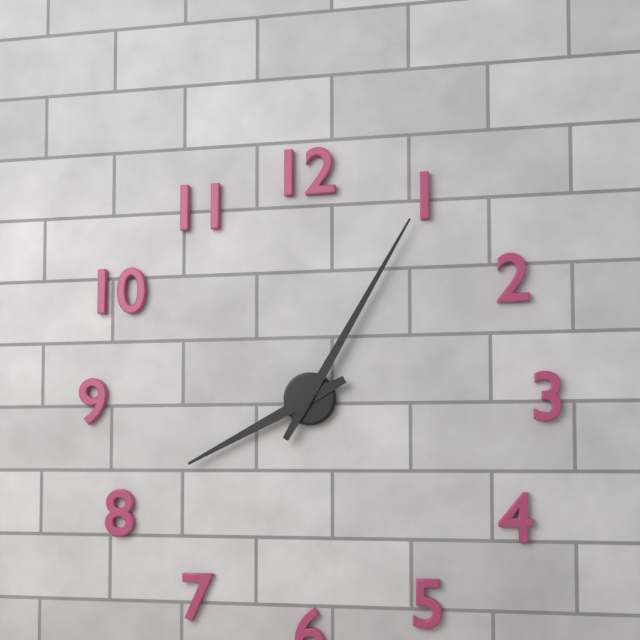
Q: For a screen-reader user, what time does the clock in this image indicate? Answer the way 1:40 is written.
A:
8:05
